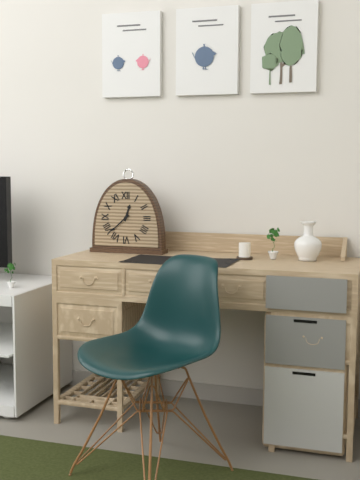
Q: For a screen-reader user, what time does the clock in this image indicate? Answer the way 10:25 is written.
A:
12:38
